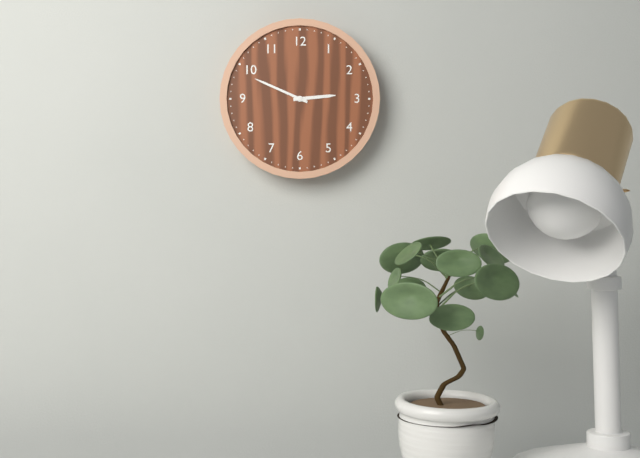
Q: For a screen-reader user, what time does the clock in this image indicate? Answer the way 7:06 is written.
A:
2:49
